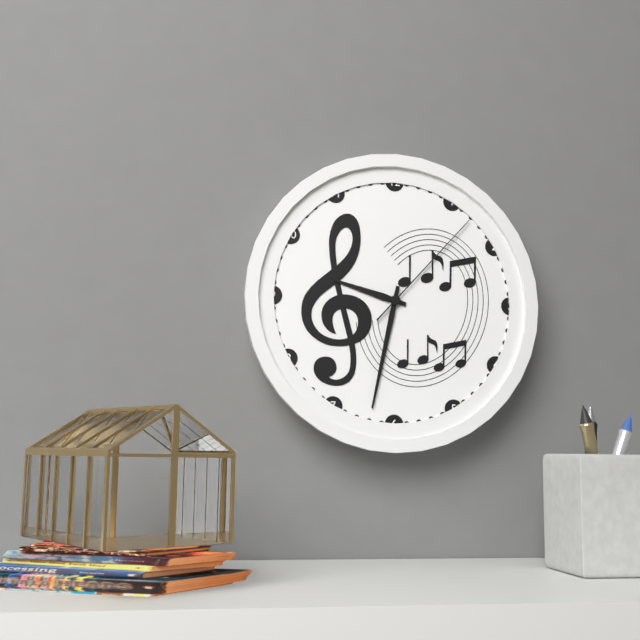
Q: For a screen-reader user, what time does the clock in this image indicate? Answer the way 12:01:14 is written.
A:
9:32:07
